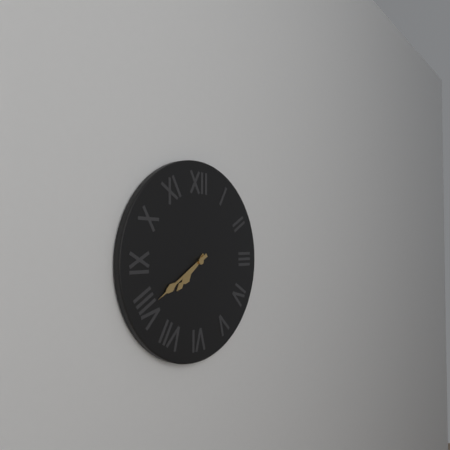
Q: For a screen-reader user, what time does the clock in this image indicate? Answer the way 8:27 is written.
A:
7:40
